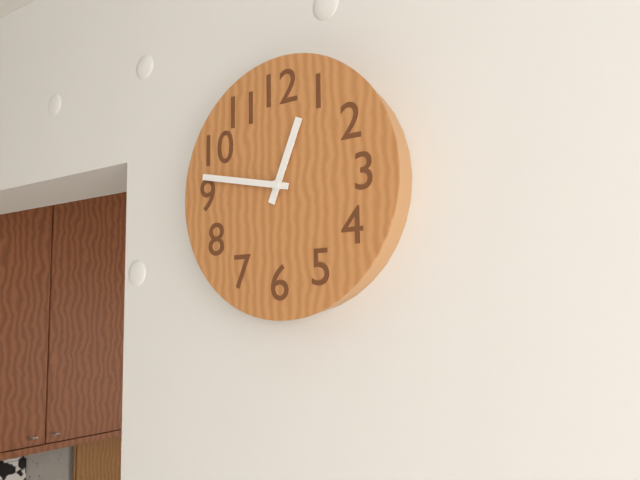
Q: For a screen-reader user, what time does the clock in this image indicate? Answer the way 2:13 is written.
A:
12:47
